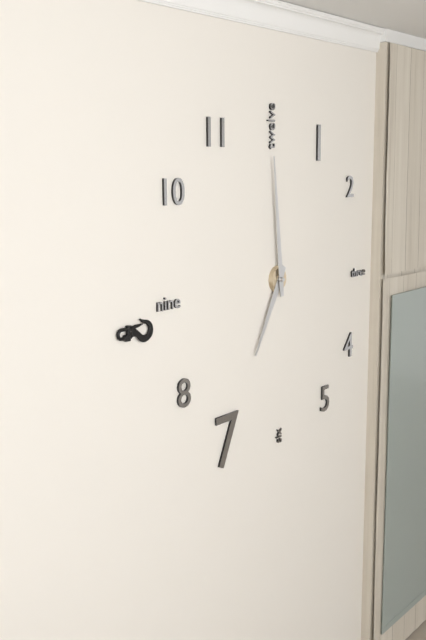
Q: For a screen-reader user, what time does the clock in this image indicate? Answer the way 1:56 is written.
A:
6:59
